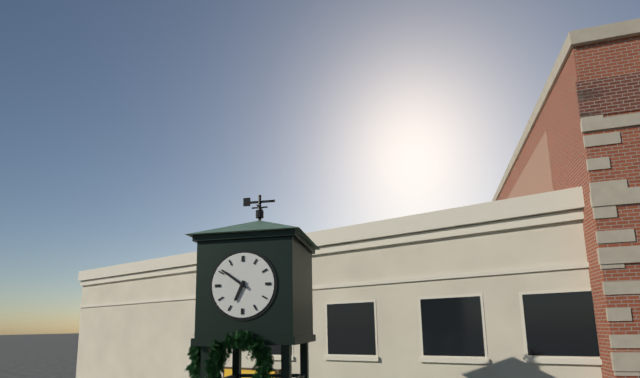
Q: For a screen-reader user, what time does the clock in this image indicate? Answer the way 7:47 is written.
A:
6:51
